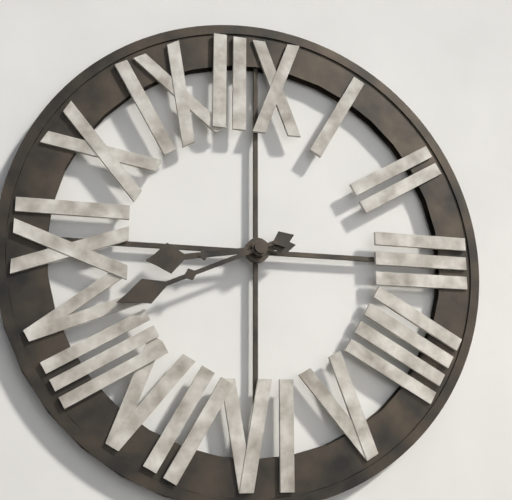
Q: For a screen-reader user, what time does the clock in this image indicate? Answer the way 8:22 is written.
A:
8:41
